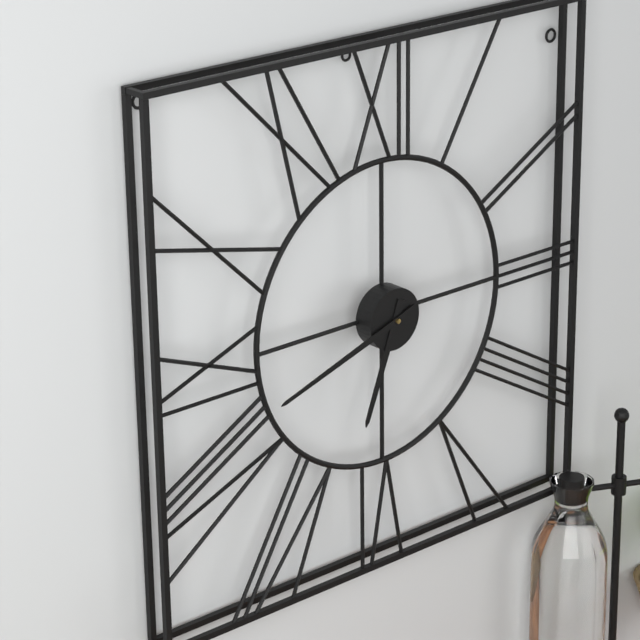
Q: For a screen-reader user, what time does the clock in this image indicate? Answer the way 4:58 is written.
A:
6:42
